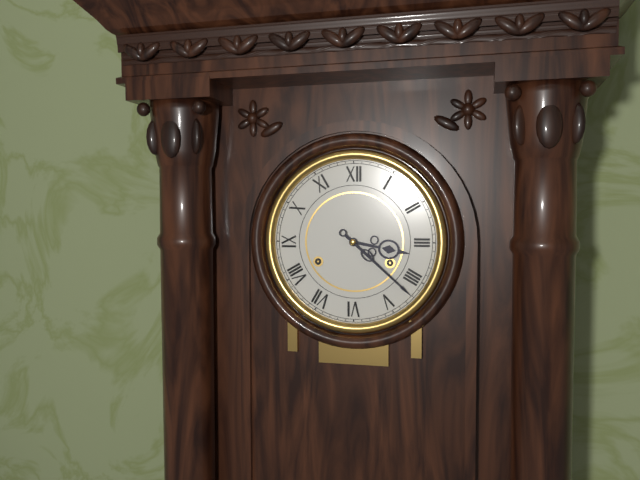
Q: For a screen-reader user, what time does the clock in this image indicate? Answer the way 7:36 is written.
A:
3:22
